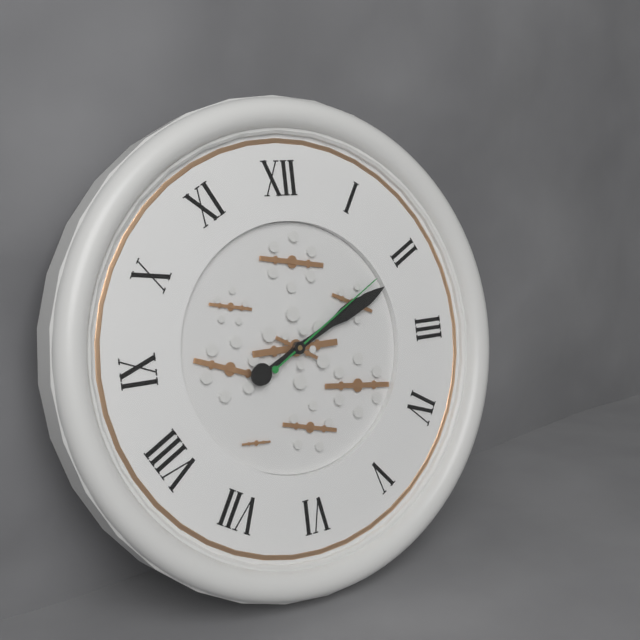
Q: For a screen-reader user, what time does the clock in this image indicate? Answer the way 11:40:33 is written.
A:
2:11:10
